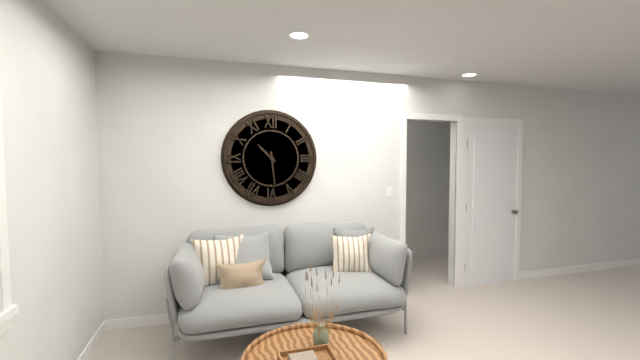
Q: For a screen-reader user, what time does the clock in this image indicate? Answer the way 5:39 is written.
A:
10:29
